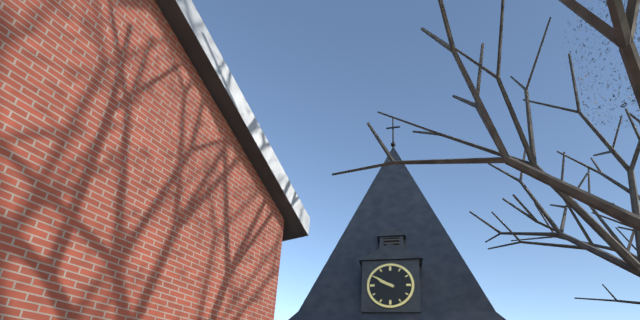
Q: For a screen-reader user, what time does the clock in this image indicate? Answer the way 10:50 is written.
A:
9:50
